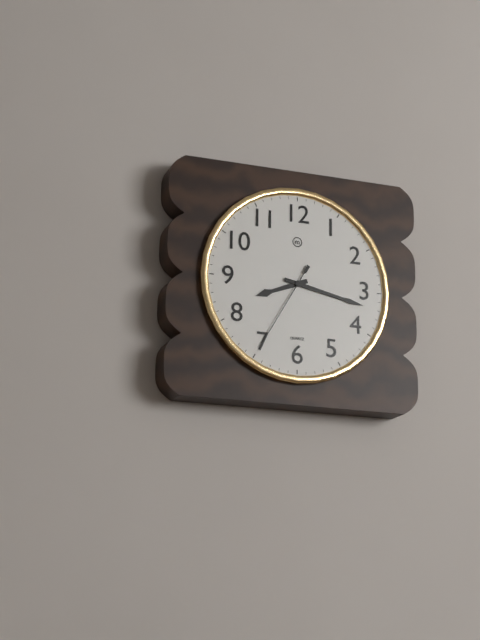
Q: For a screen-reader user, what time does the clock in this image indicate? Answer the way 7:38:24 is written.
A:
8:17:35
